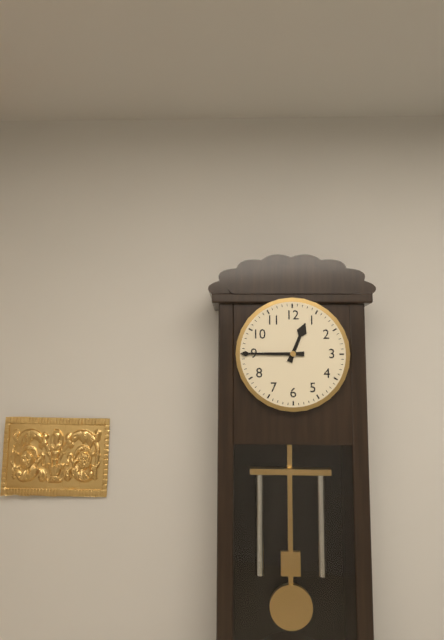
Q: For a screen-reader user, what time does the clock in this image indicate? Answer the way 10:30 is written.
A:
12:45
